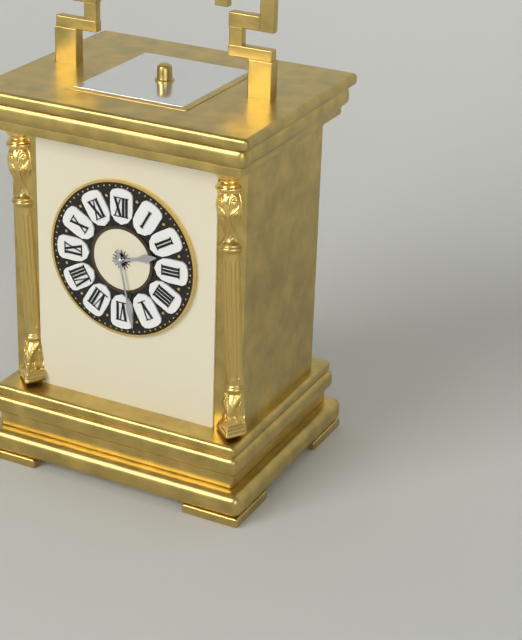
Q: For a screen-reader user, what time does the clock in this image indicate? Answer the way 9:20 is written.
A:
2:28
